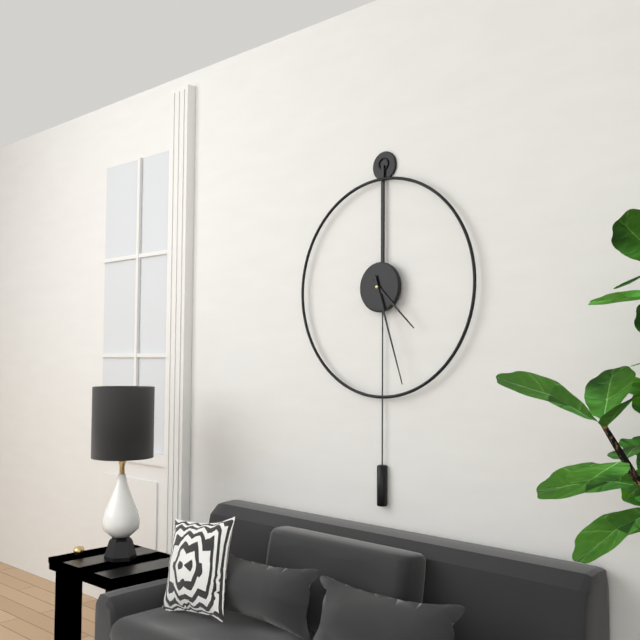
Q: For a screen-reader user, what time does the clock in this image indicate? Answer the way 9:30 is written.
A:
4:27
